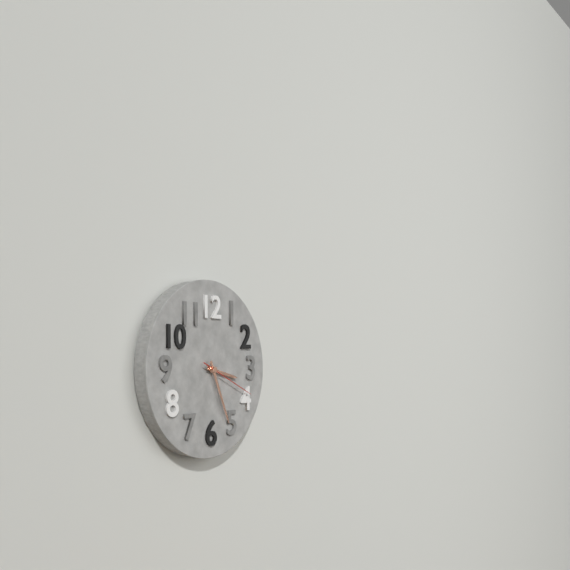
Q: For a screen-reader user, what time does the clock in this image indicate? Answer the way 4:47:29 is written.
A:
3:26:19
